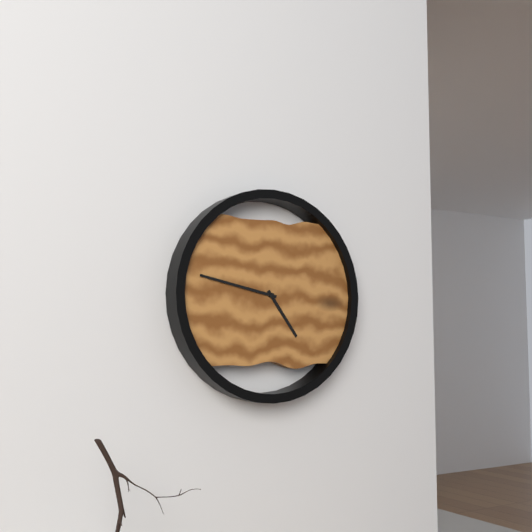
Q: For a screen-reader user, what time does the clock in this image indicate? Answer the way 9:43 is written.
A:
4:47
